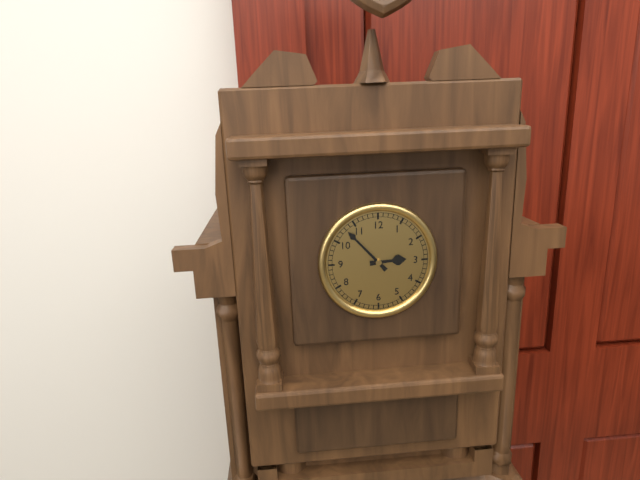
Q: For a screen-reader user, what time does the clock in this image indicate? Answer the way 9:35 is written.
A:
2:53
